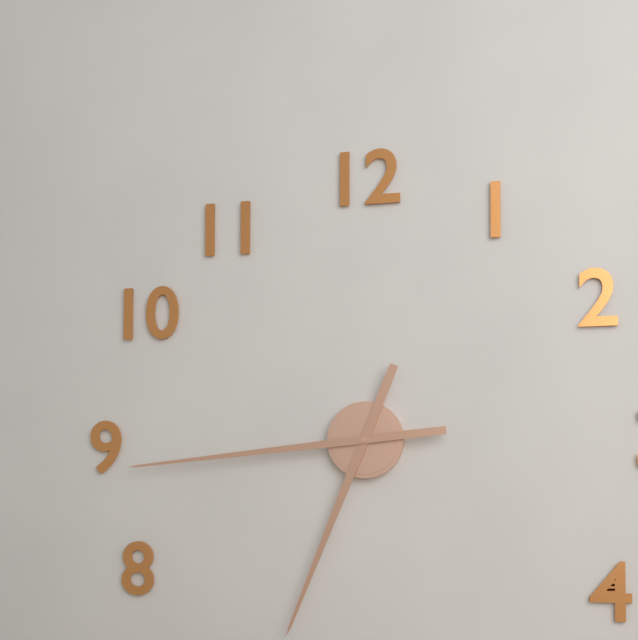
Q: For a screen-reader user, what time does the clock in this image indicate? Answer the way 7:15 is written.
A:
6:44
